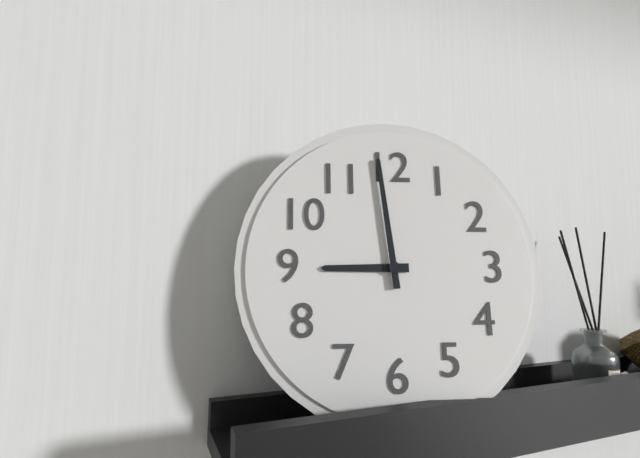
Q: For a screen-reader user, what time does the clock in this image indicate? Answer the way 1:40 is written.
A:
8:59
